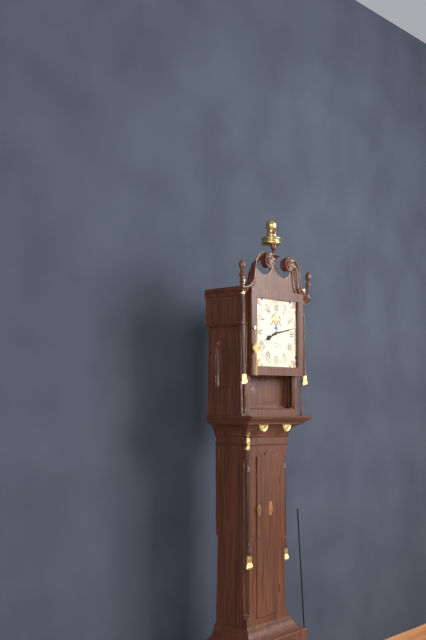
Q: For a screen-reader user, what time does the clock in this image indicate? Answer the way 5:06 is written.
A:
8:13
